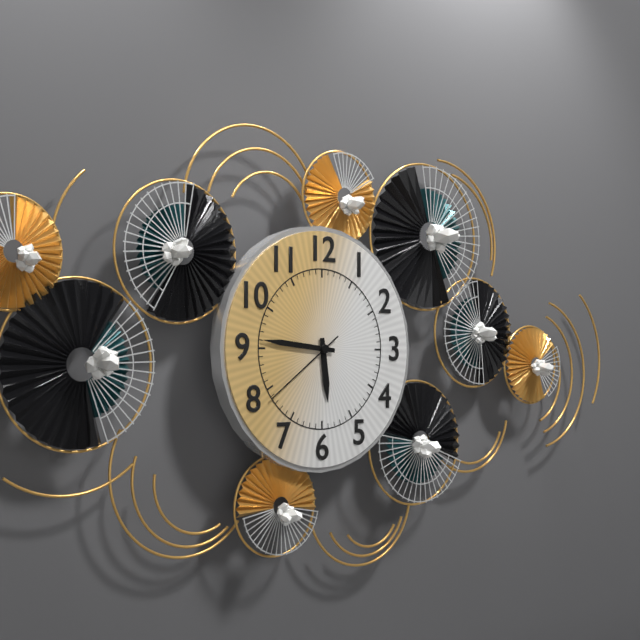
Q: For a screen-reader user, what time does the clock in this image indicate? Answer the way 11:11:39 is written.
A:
5:46:39
